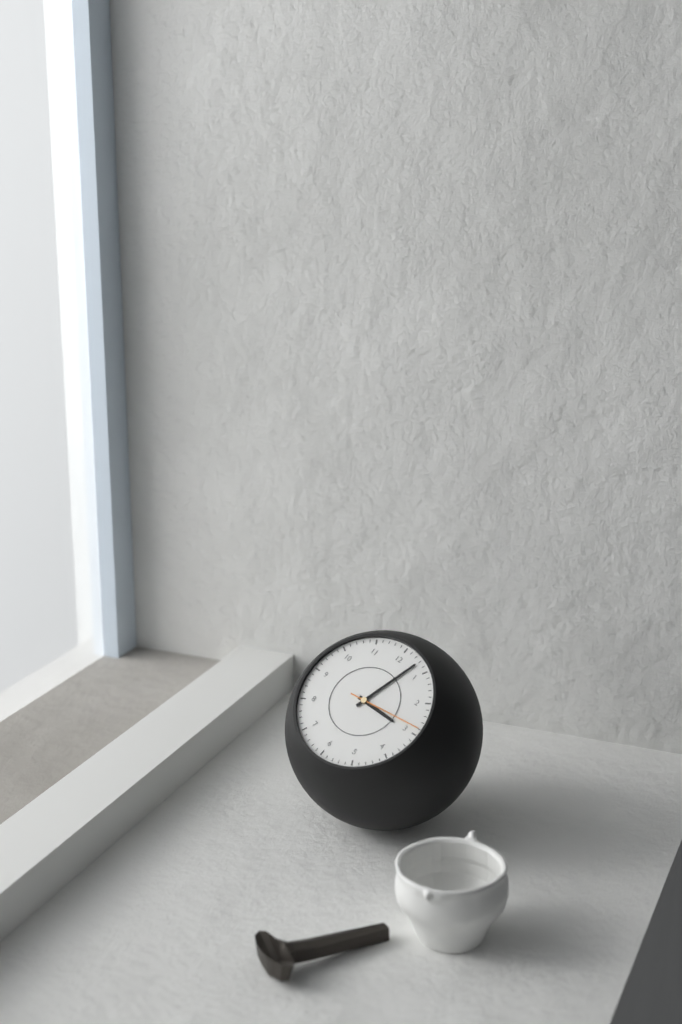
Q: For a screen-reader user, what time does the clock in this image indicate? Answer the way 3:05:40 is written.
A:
3:03:14
